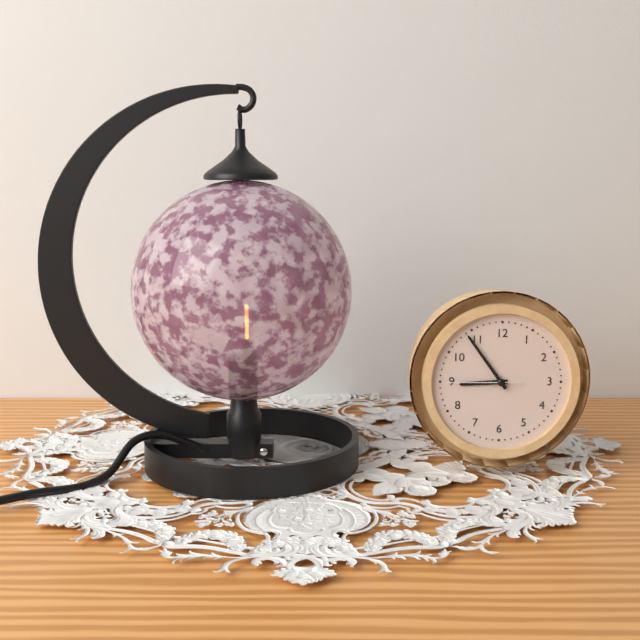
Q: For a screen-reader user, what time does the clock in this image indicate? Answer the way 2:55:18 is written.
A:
8:54:45
